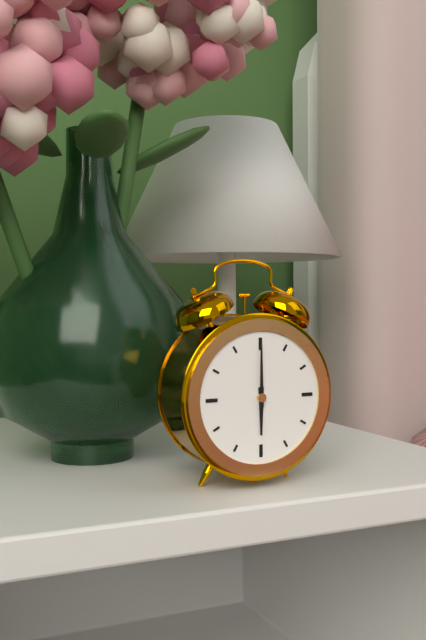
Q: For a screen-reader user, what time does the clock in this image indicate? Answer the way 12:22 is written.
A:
6:00
